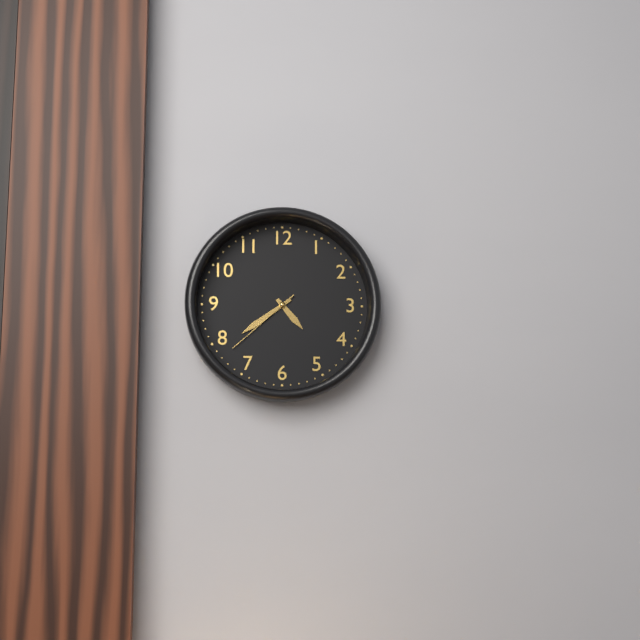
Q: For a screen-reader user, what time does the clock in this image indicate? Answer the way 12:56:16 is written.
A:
4:39:38
